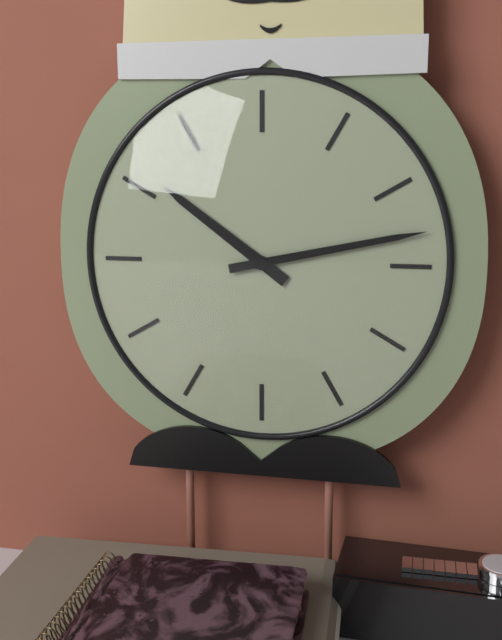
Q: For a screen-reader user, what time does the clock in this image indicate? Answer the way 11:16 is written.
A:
10:13
